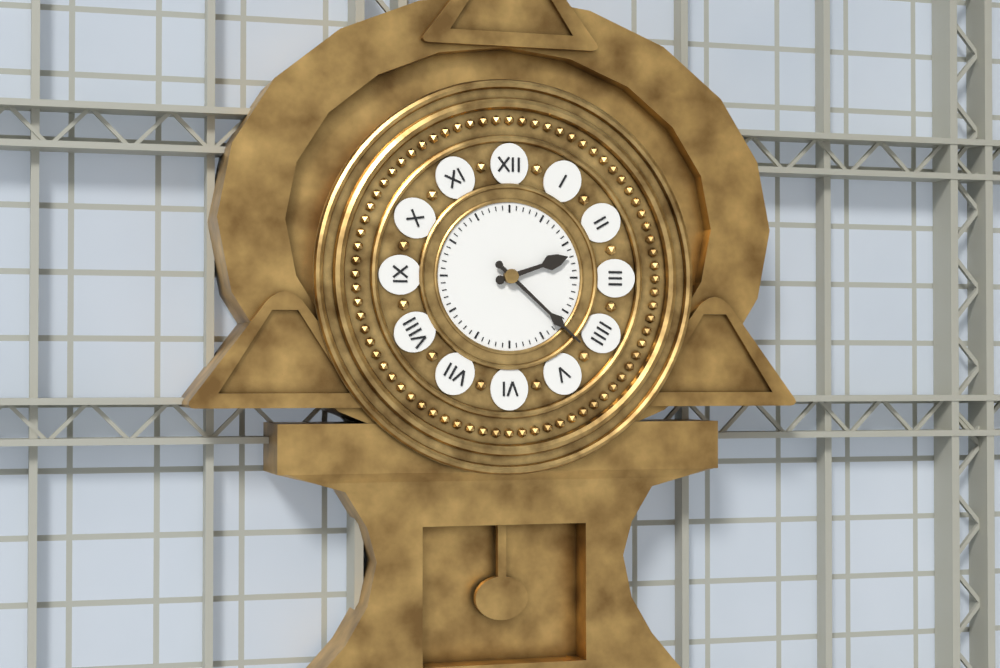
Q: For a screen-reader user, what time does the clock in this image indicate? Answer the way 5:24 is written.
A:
2:22
